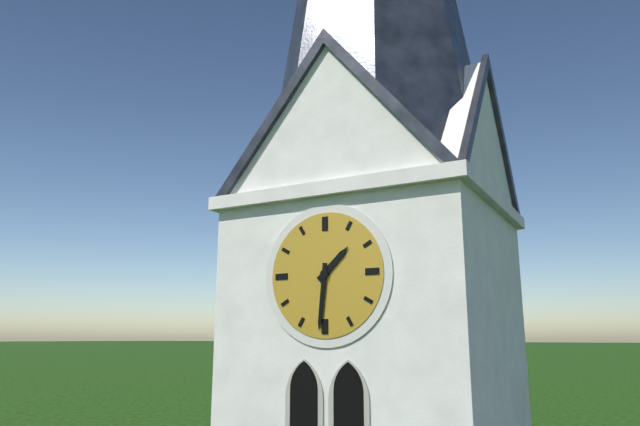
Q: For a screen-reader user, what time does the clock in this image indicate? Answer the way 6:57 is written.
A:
1:31
